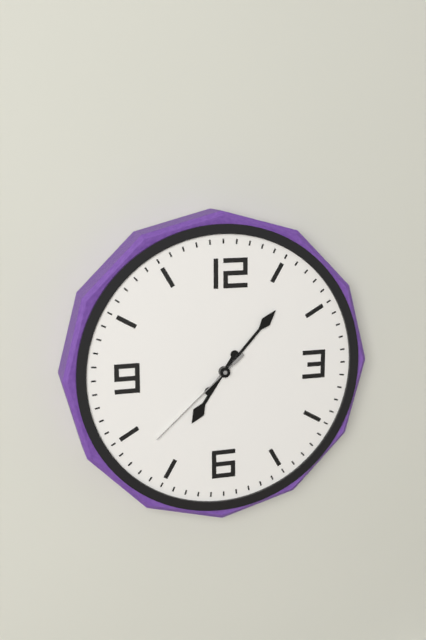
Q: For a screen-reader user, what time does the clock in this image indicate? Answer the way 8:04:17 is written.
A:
7:07:38
